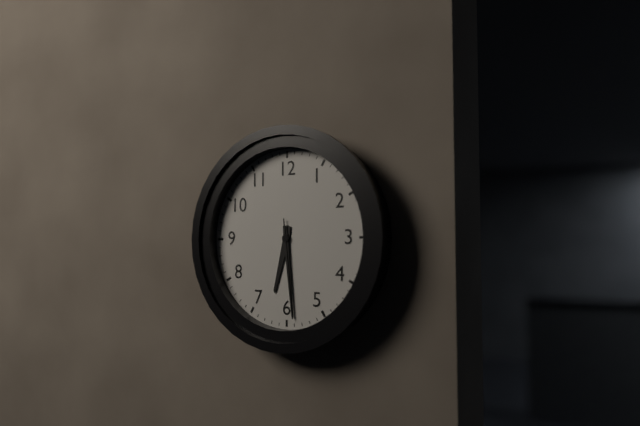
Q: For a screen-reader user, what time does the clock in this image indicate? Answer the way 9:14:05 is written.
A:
6:29:29
